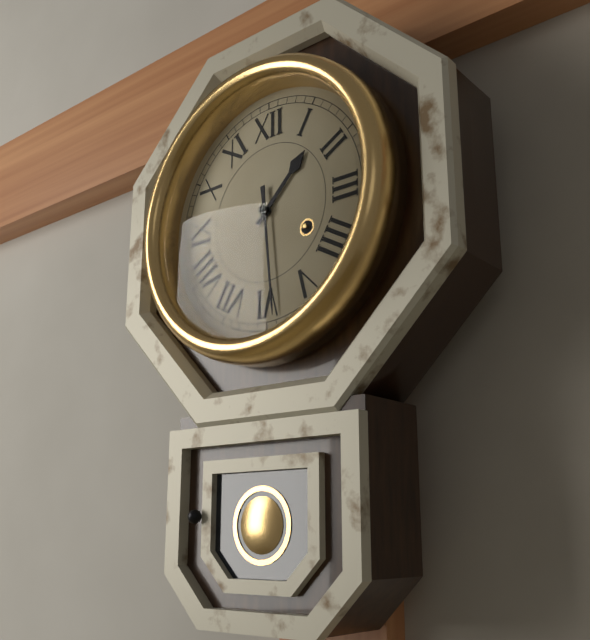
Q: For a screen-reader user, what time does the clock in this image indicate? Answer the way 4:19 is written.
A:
1:29
